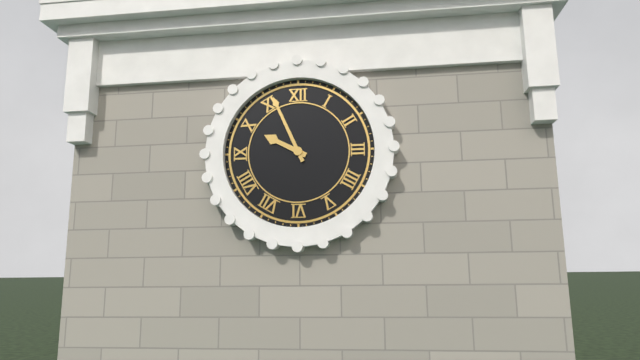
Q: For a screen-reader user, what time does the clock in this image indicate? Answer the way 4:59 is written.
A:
9:56
